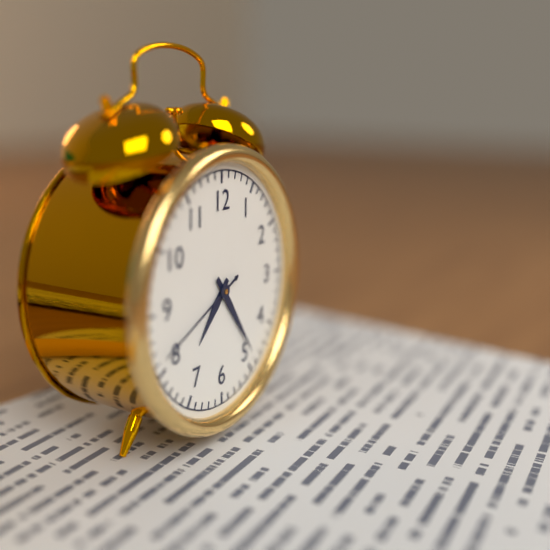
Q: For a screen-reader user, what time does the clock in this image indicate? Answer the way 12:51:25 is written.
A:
7:24:41
